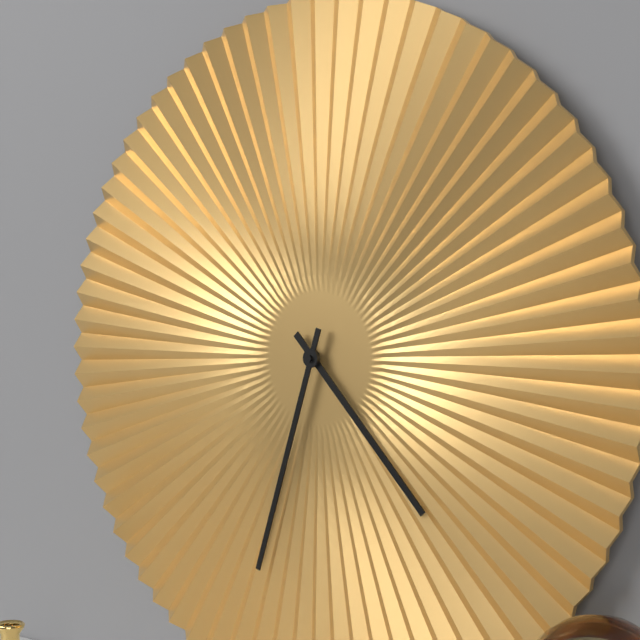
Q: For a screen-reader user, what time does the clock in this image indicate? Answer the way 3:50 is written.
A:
4:33
